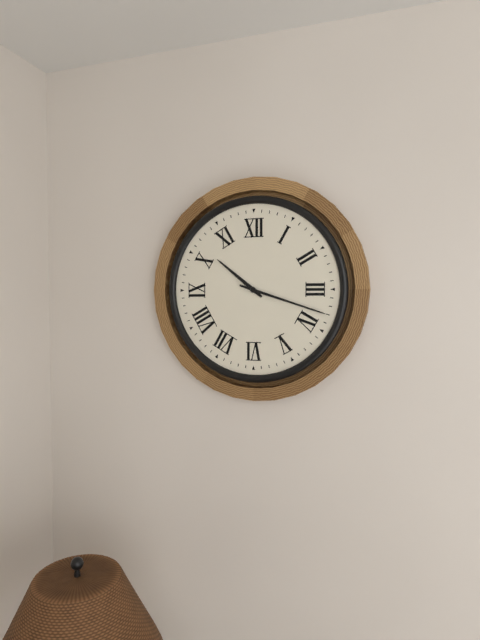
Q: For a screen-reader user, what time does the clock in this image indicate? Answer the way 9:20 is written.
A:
10:18
